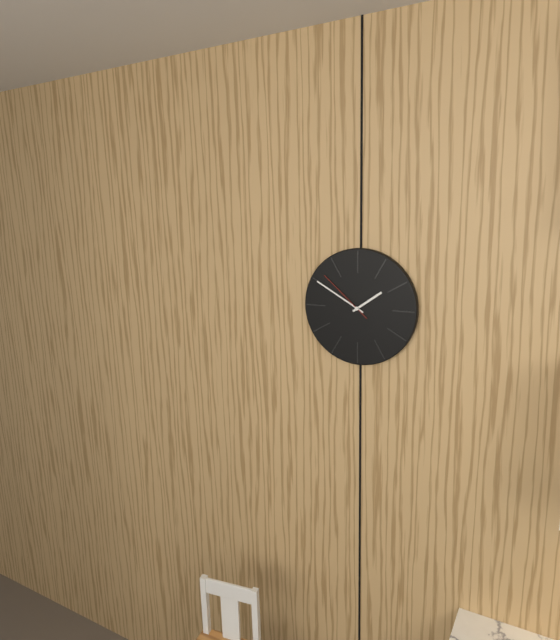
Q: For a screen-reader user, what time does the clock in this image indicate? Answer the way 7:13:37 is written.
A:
1:50:52
